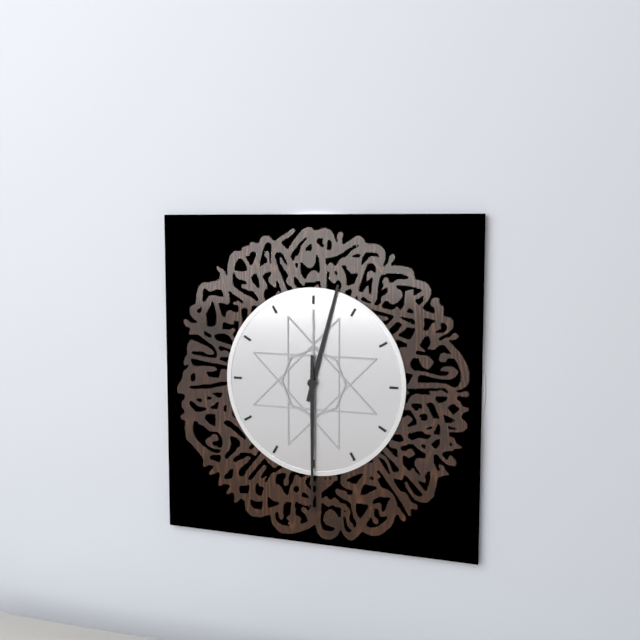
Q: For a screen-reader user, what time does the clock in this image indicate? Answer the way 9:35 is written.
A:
12:30
